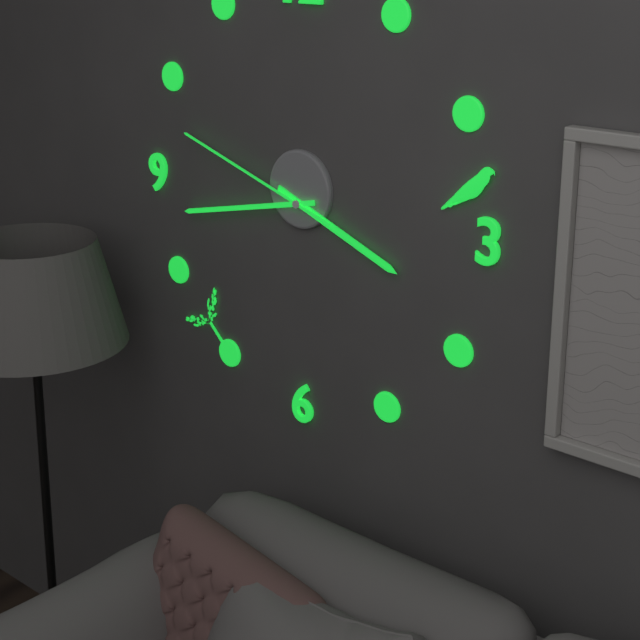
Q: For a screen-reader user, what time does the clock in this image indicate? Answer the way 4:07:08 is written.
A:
3:43:48
